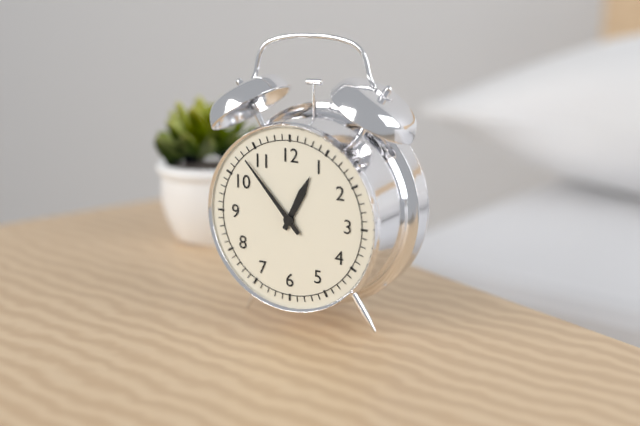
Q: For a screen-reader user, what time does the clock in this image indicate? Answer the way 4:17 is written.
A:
12:53
